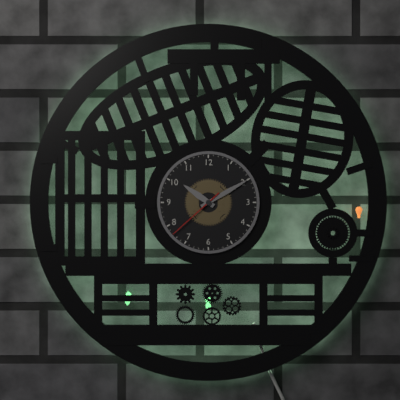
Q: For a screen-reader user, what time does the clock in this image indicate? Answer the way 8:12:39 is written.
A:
10:10:38
